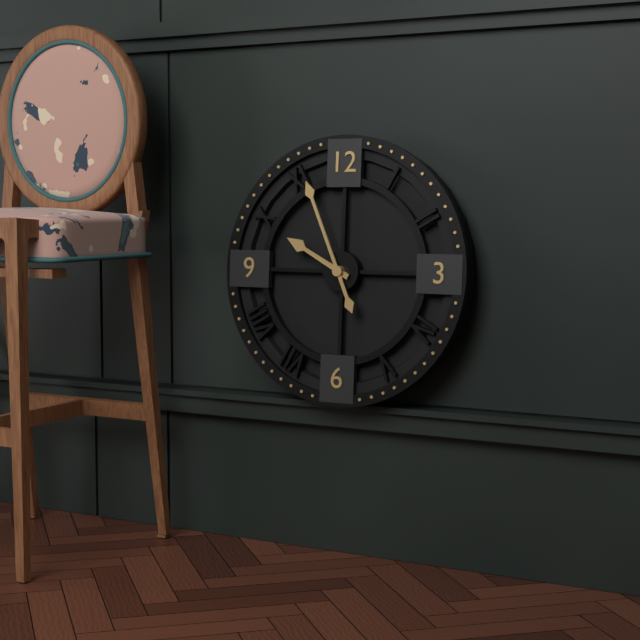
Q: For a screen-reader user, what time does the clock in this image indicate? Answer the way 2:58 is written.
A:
9:56
